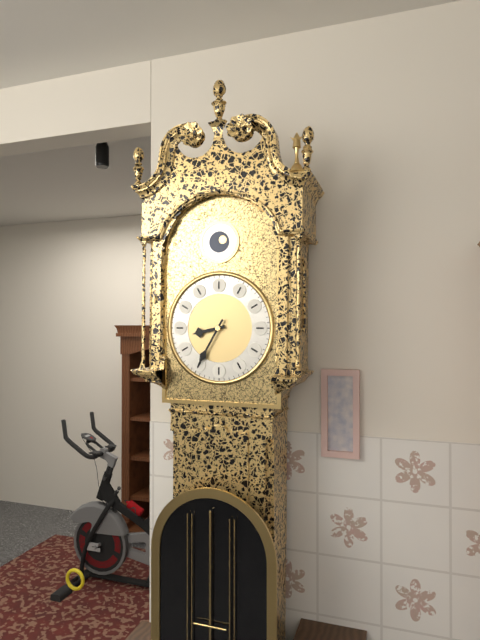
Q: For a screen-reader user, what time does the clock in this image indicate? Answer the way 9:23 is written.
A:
8:35
